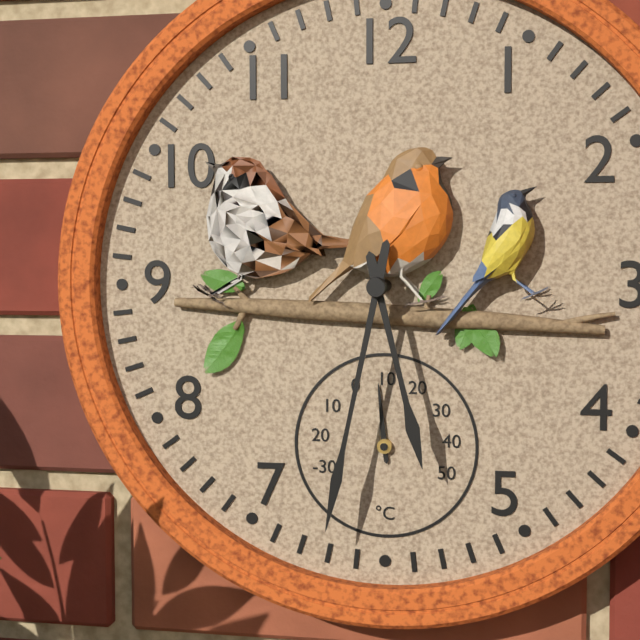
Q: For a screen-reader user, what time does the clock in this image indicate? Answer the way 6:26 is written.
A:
5:32
